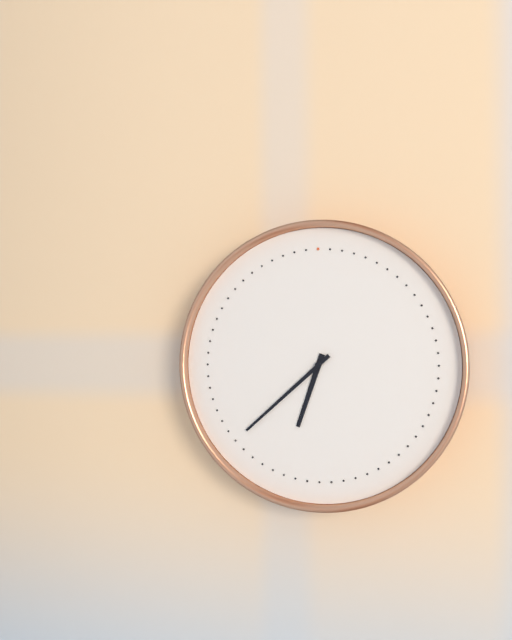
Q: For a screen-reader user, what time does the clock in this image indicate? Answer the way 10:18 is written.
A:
6:38
